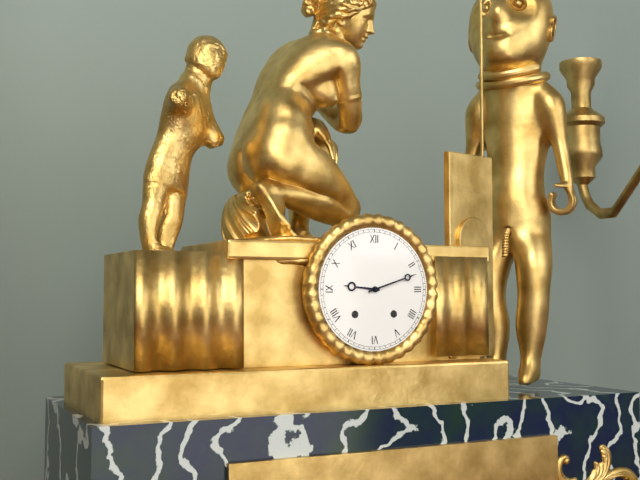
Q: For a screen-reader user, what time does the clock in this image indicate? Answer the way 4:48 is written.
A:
9:12
